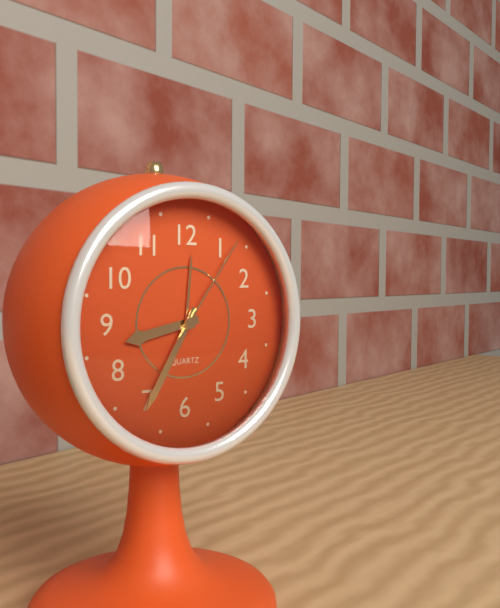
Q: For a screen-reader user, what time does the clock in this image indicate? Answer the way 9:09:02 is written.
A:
8:35:06
